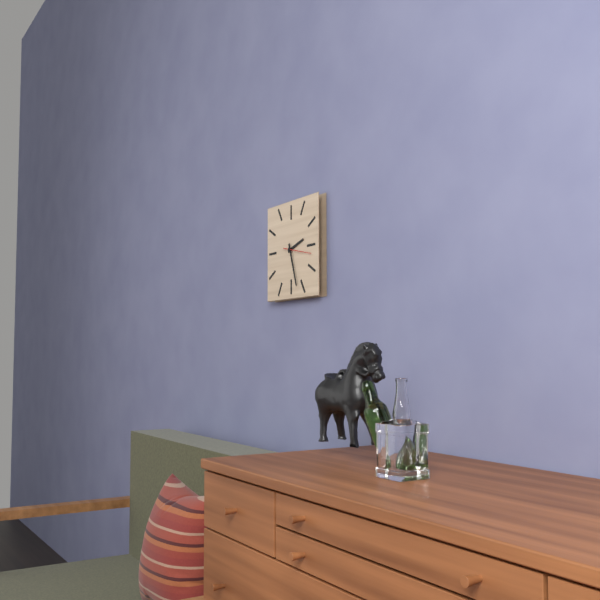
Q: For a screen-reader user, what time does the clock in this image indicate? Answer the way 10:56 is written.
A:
2:27
